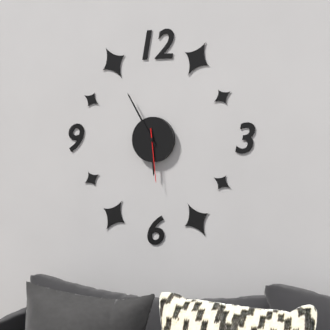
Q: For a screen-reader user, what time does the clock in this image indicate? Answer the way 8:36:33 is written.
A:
5:55:29
